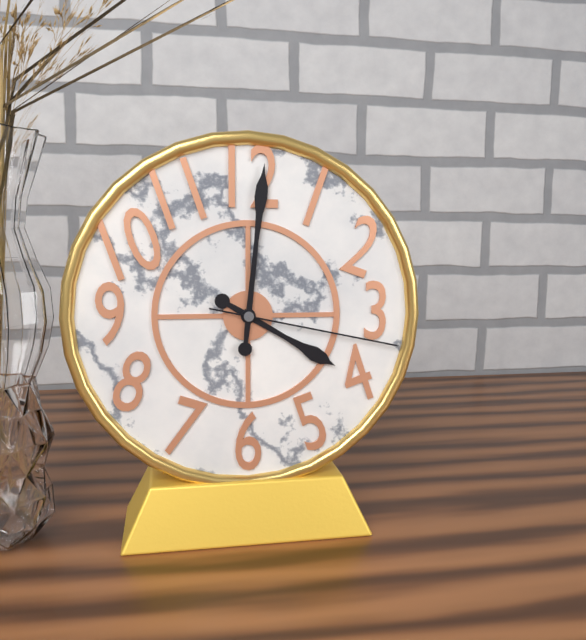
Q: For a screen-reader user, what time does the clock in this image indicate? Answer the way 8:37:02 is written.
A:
4:01:17
